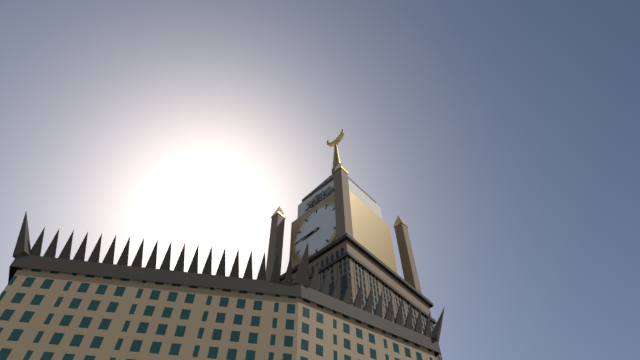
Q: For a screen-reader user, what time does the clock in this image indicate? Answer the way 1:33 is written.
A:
8:45
